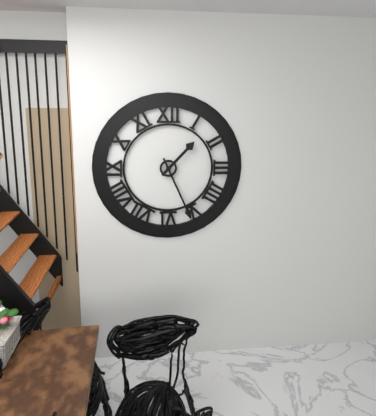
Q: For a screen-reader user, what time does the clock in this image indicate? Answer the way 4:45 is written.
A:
1:26
